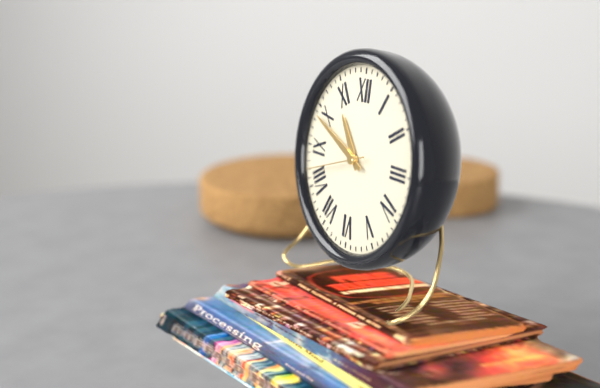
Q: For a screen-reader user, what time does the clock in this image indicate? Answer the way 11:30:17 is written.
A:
10:49:42
